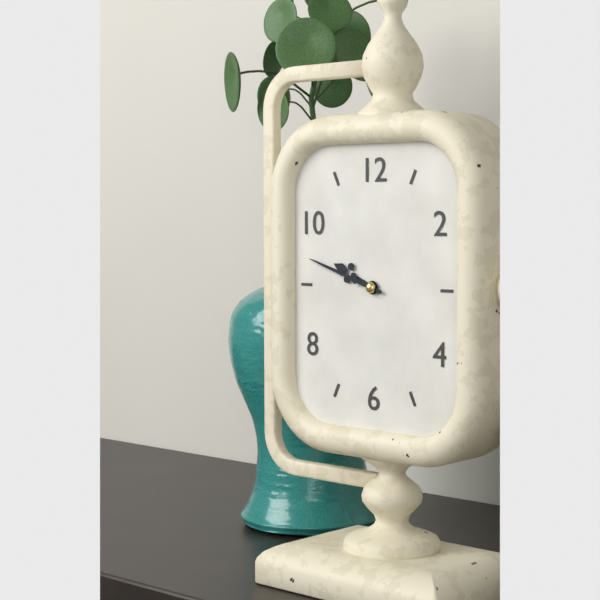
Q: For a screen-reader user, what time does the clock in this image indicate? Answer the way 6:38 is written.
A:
9:48
